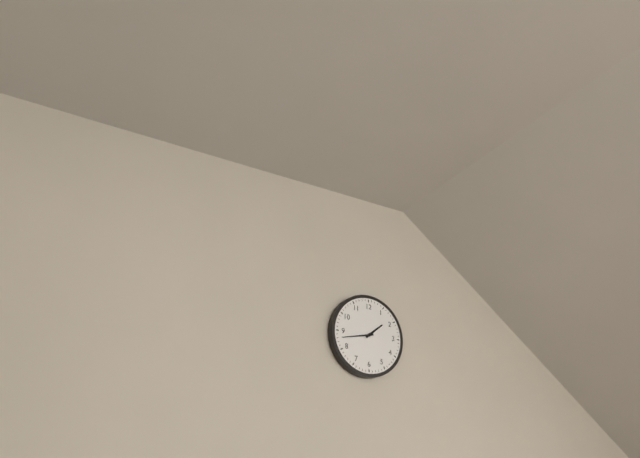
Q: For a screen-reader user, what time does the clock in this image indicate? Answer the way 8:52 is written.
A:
1:43
